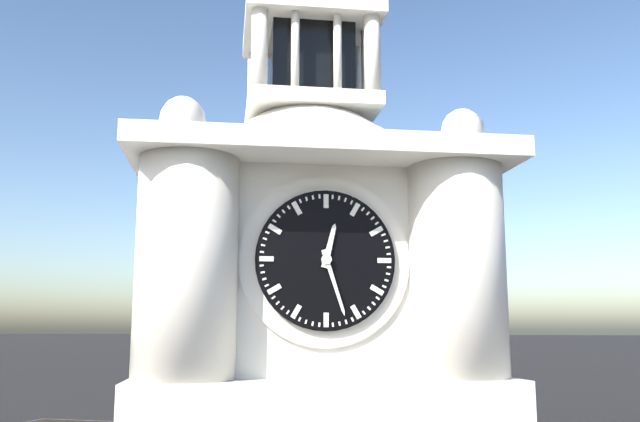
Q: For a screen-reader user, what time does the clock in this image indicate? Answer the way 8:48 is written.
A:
12:27
